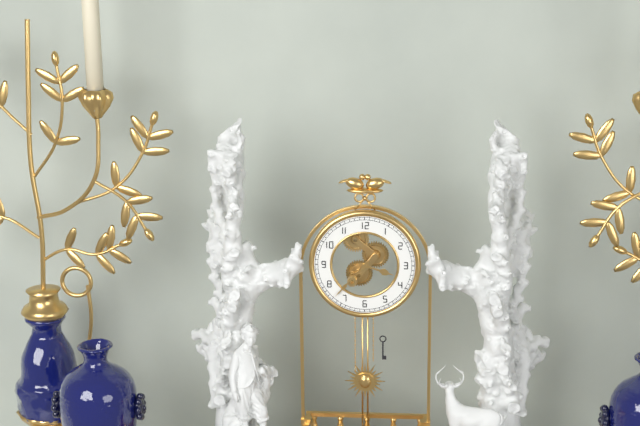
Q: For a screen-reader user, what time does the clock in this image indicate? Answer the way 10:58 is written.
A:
3:37
